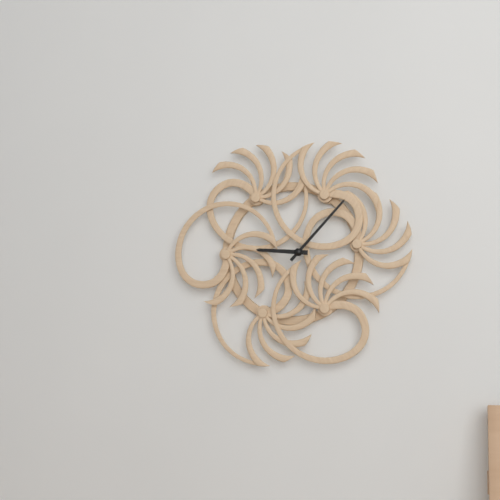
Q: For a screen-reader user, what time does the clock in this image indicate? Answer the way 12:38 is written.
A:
9:07
